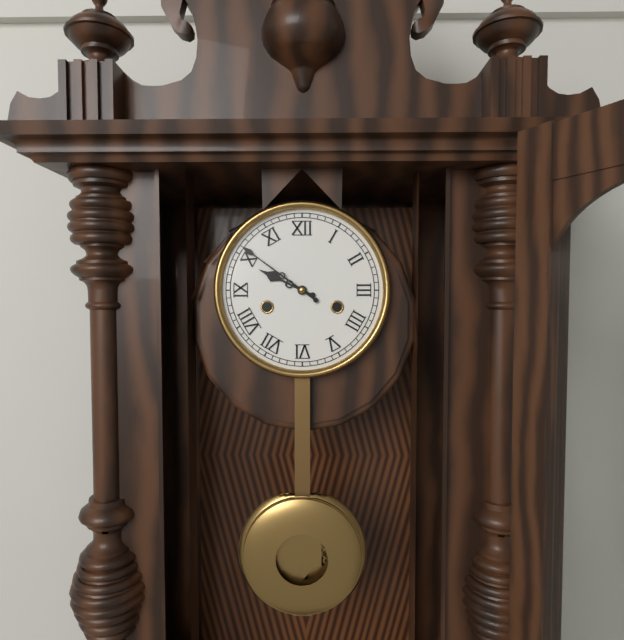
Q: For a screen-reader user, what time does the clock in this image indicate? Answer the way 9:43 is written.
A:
9:51
